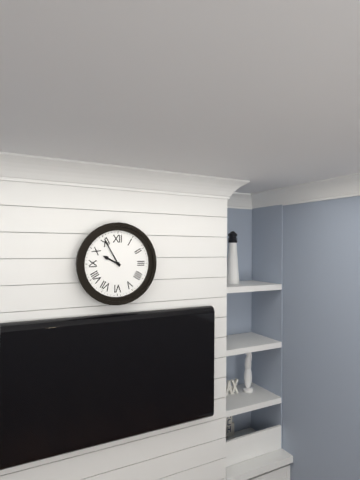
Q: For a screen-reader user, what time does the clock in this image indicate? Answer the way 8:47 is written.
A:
9:55
